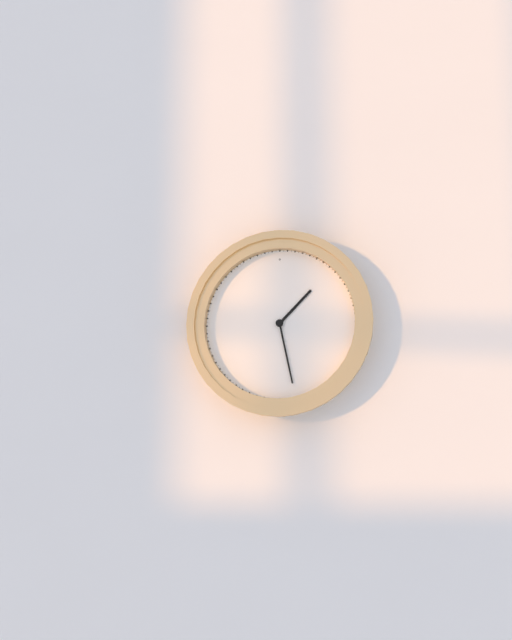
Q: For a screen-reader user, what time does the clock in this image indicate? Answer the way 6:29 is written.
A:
1:28
